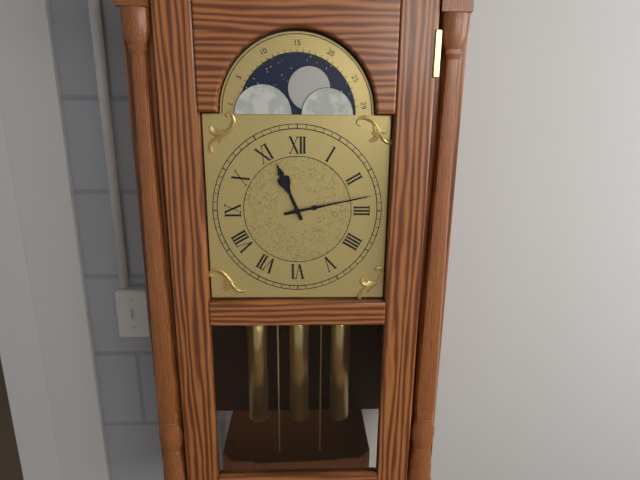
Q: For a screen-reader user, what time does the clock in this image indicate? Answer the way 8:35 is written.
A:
11:13
